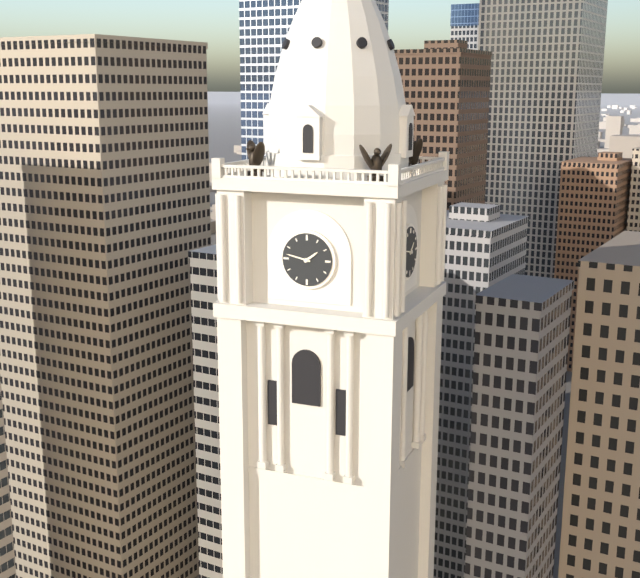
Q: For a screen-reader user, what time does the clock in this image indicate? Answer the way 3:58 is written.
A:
1:47
